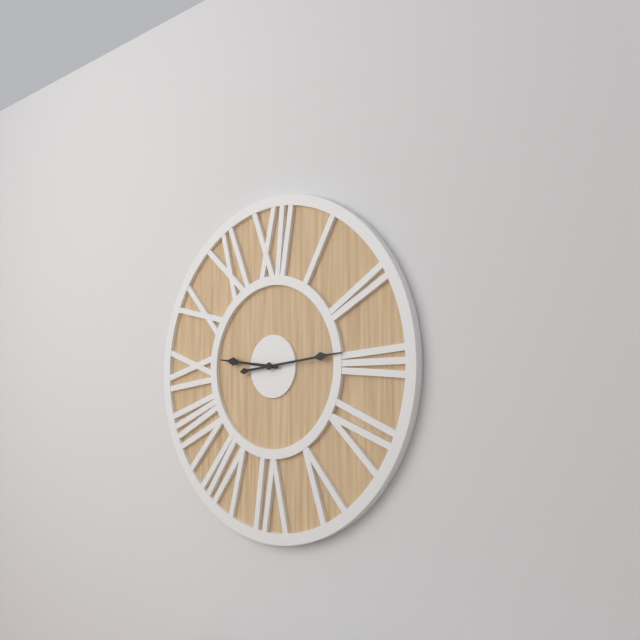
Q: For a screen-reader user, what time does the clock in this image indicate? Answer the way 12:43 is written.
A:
9:14
